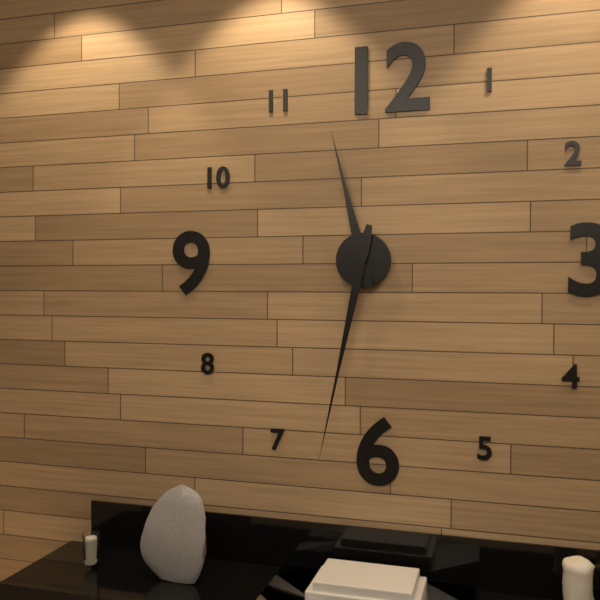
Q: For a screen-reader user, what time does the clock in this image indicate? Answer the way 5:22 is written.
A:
11:32
